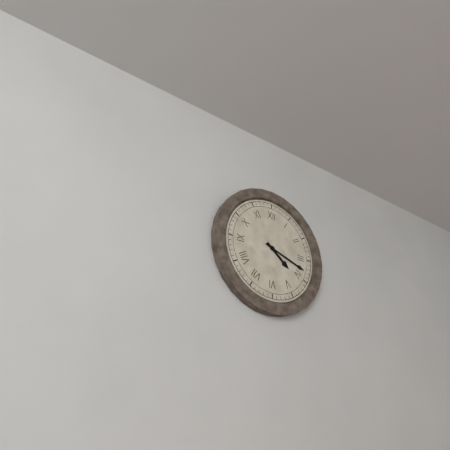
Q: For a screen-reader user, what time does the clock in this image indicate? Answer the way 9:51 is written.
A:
4:18
